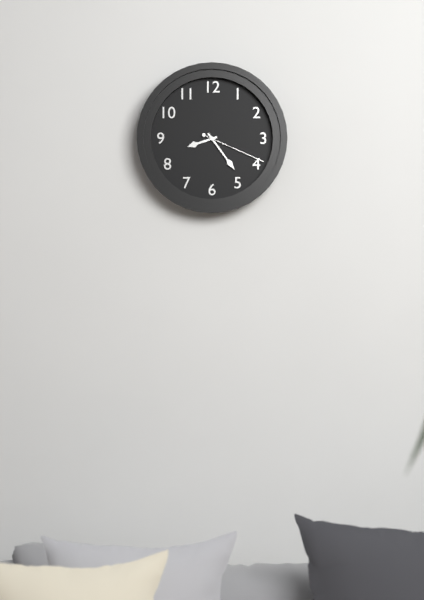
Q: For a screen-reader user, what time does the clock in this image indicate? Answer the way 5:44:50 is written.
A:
8:24:19
